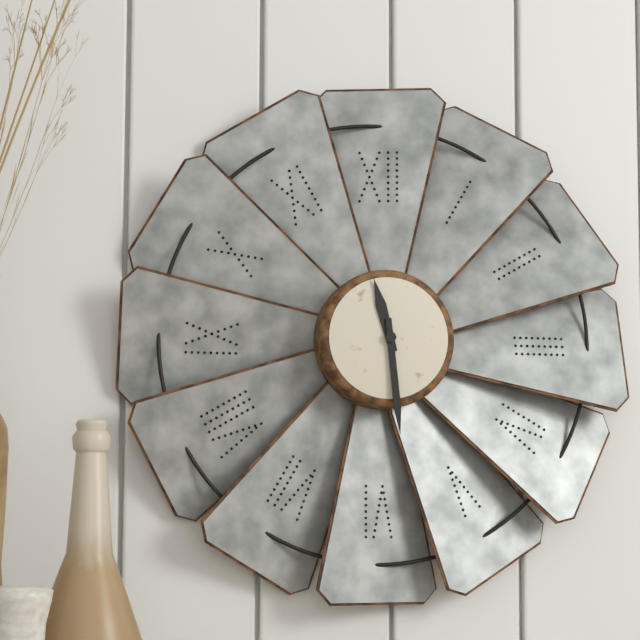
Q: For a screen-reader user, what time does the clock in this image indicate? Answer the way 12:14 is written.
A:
11:29
